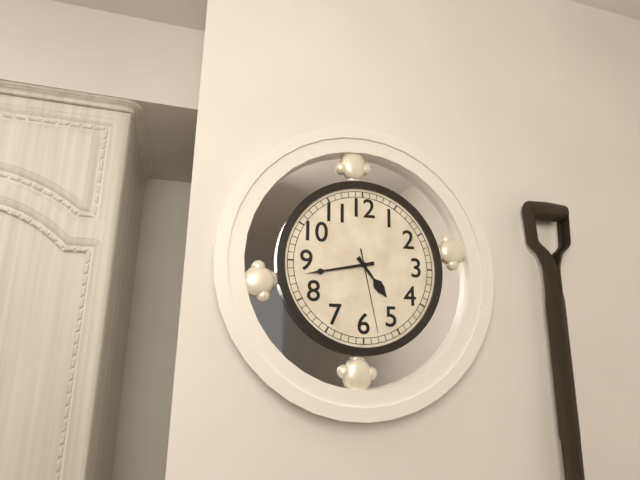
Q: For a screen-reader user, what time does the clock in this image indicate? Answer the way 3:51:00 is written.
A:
4:43:28
